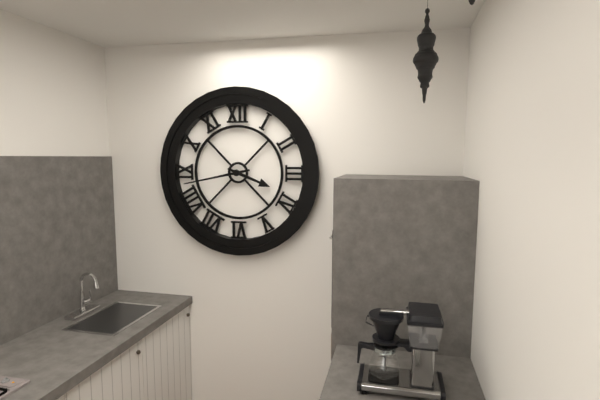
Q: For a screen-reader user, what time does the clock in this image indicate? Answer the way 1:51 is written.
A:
3:43
